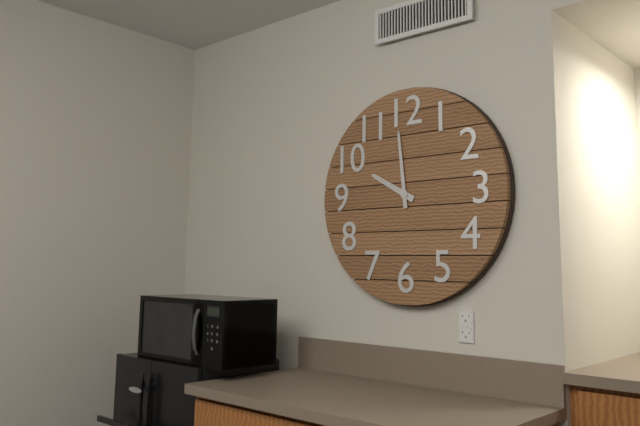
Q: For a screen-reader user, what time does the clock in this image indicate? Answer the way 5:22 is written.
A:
9:59
